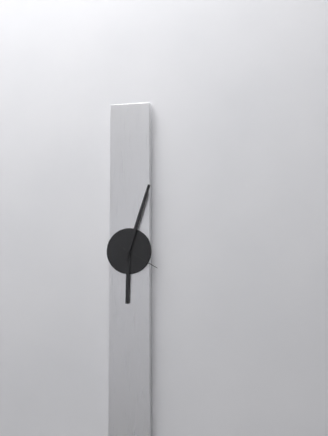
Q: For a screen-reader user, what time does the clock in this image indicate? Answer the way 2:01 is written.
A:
6:03
